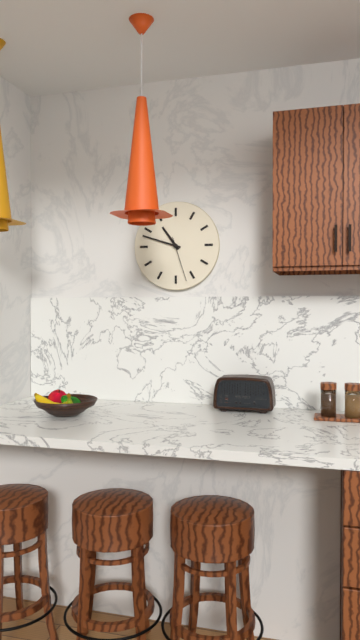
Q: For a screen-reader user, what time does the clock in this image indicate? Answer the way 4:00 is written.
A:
10:48
